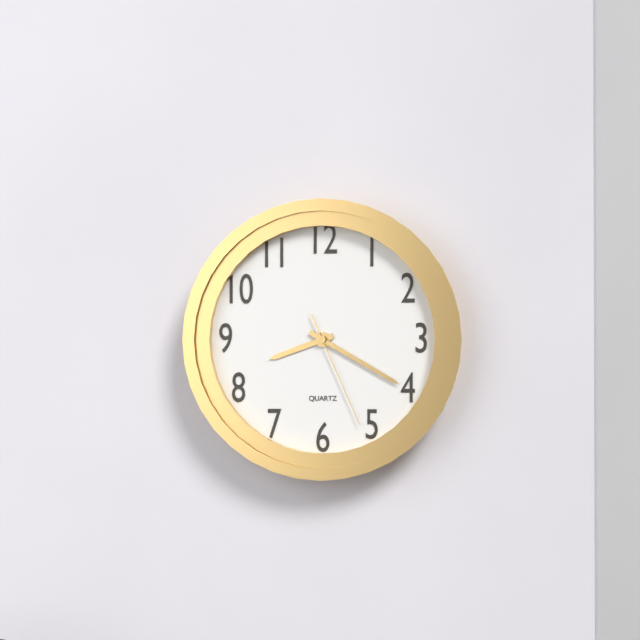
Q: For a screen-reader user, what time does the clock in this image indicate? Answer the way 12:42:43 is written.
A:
8:20:26
